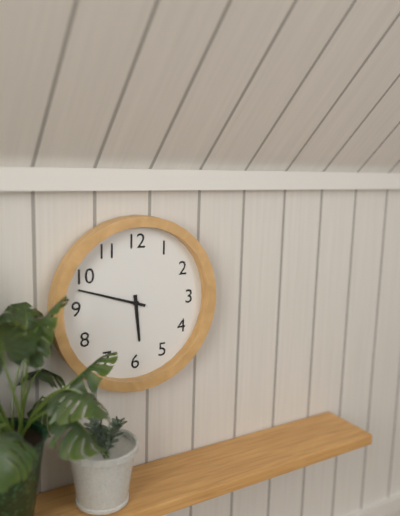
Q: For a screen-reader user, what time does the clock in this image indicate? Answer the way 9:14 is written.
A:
5:48
